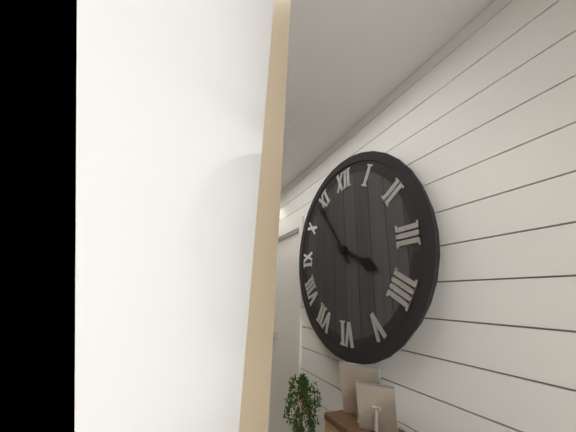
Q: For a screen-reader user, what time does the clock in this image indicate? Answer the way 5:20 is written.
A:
3:54
